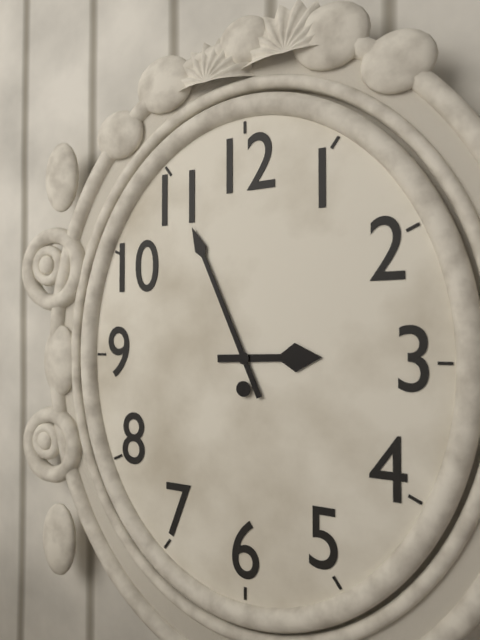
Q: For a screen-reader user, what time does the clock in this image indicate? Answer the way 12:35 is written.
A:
2:56
